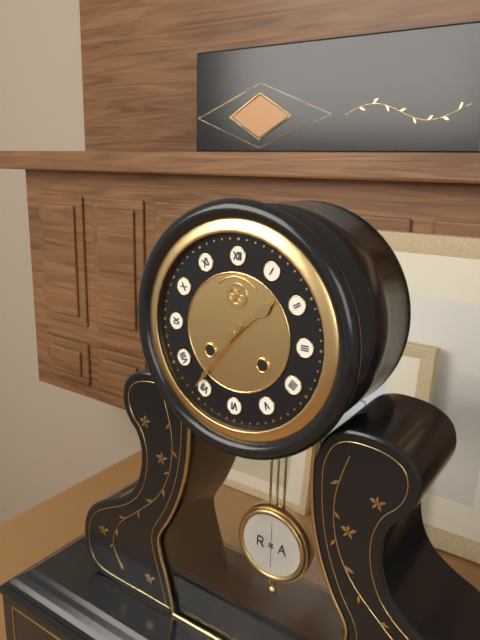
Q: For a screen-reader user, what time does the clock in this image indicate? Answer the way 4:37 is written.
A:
1:36
